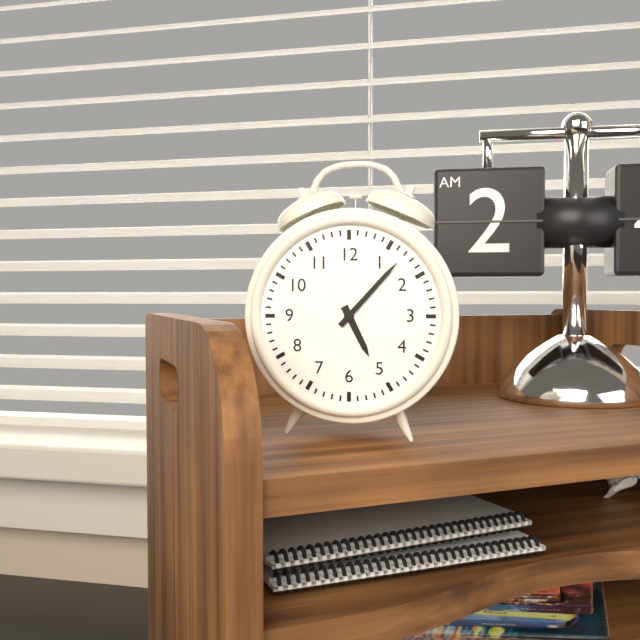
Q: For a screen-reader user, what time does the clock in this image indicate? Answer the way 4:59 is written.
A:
5:07
